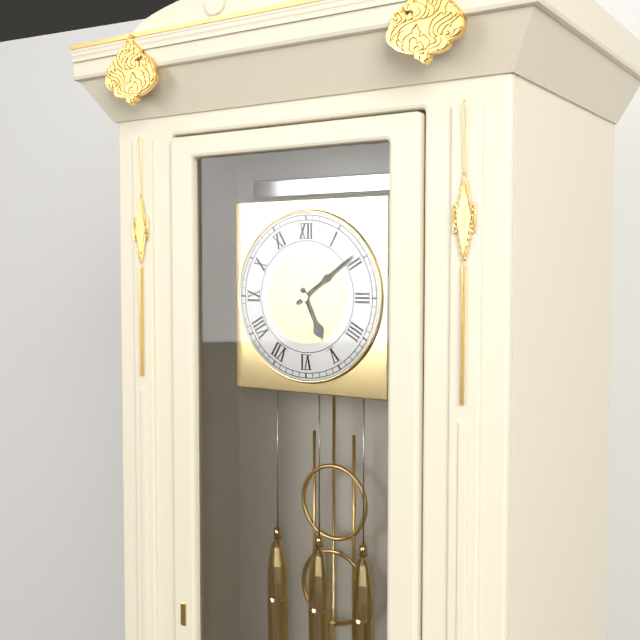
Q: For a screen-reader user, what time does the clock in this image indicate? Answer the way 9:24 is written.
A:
5:09
